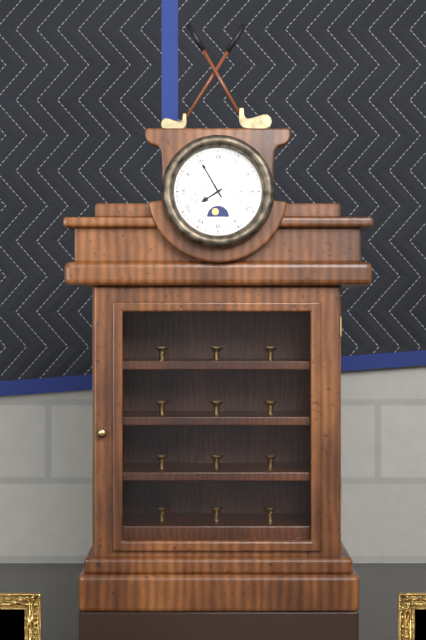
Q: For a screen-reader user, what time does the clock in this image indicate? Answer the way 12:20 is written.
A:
7:55
